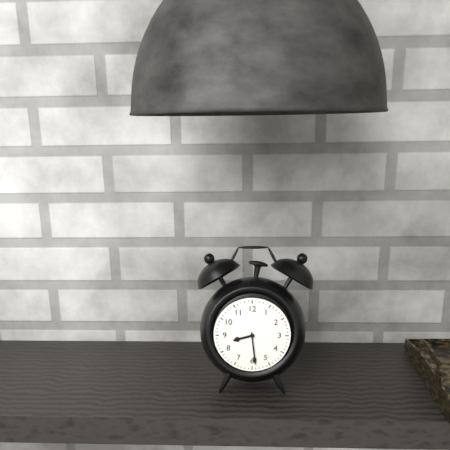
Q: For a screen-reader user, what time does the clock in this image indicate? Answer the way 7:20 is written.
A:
8:29
